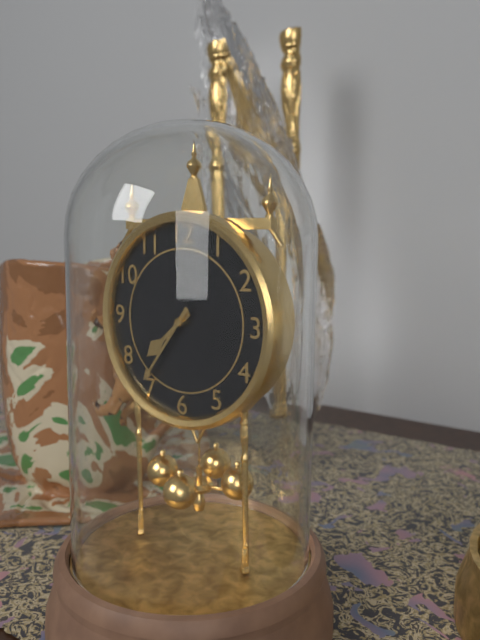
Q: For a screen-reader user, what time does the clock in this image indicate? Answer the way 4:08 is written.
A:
7:36
